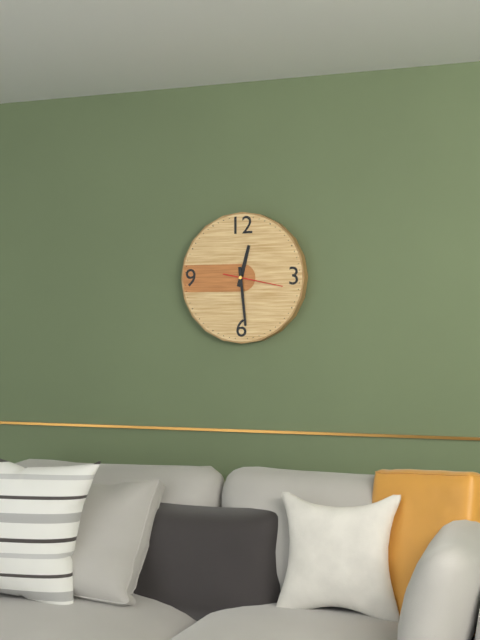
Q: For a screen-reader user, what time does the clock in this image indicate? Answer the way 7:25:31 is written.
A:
12:29:17
